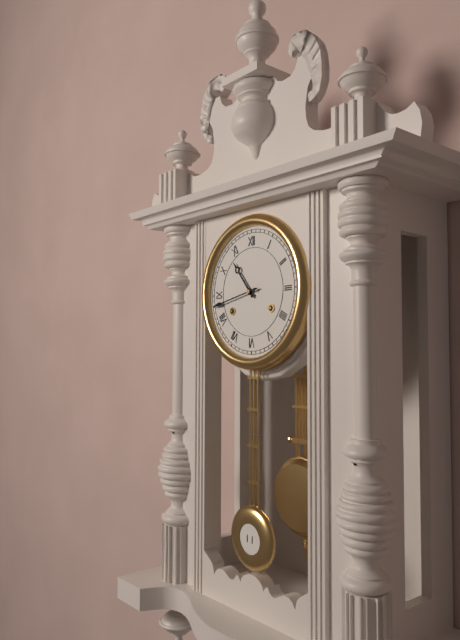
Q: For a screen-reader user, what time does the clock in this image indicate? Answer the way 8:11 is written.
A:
10:43
